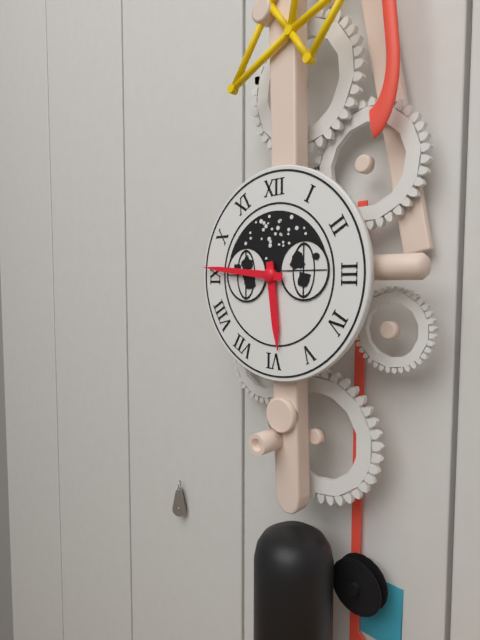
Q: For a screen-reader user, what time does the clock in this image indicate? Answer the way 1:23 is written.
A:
5:46
